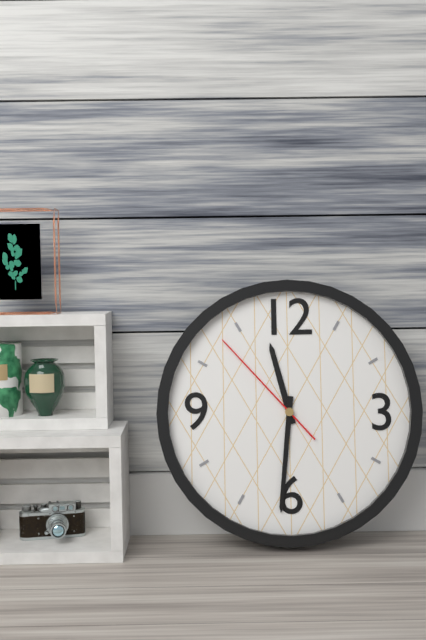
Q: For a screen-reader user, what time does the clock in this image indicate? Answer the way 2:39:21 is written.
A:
11:31:53
